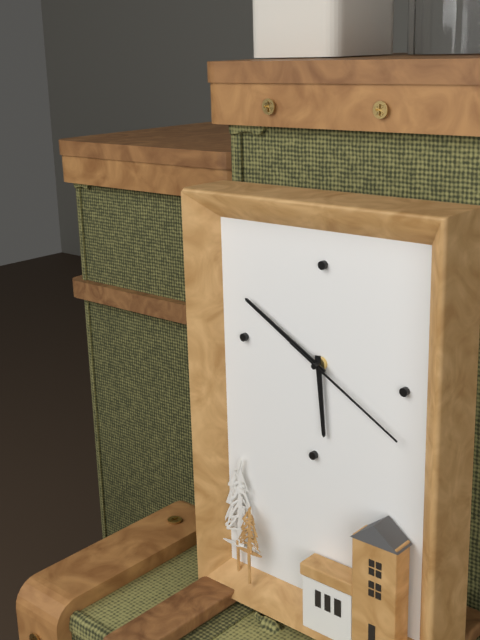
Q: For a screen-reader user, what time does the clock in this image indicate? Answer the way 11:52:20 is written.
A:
5:50:20
